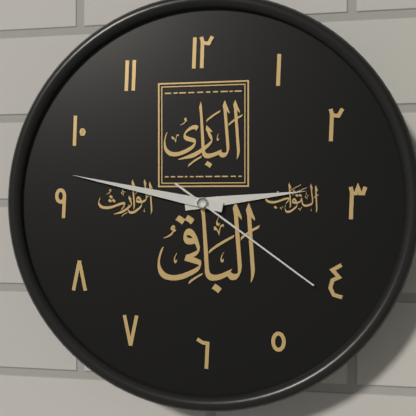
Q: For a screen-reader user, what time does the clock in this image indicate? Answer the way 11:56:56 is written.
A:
2:47:21
